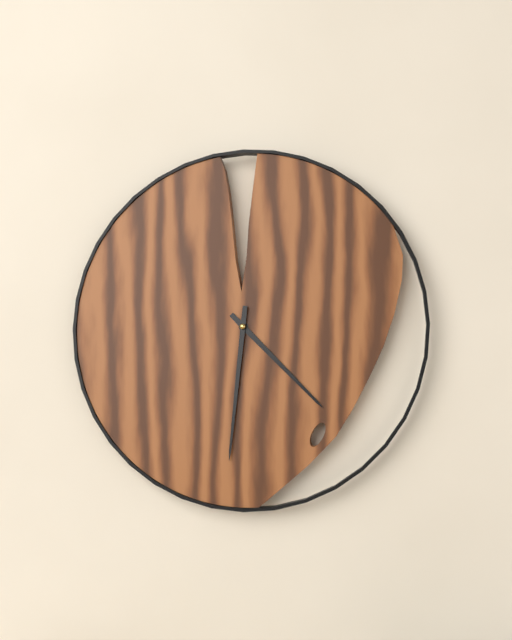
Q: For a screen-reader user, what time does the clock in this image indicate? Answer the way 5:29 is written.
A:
4:31
